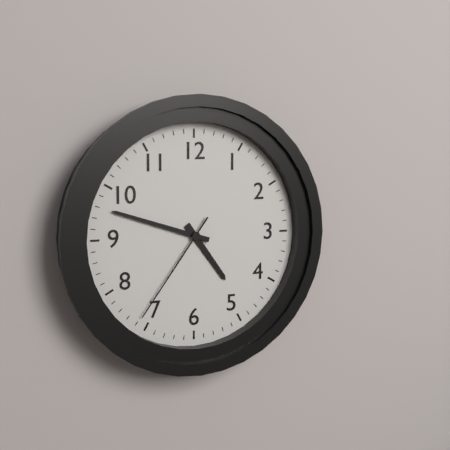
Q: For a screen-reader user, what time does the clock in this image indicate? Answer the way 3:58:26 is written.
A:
4:48:36
